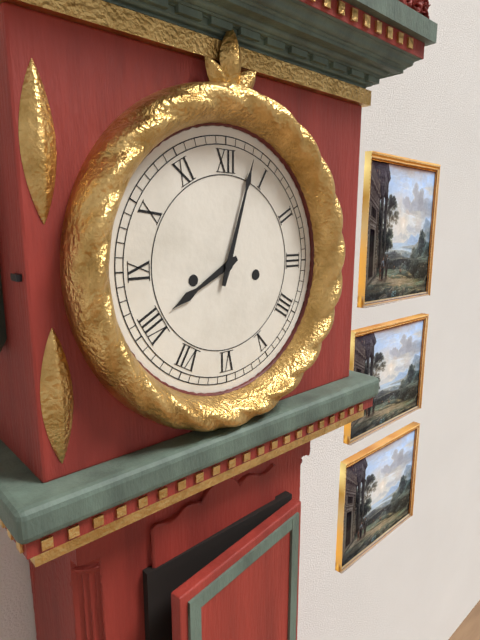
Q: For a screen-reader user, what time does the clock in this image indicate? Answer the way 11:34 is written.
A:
8:03
